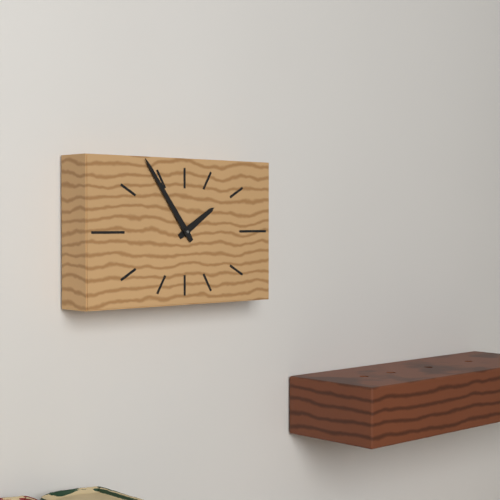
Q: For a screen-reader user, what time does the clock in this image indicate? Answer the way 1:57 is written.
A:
1:54
